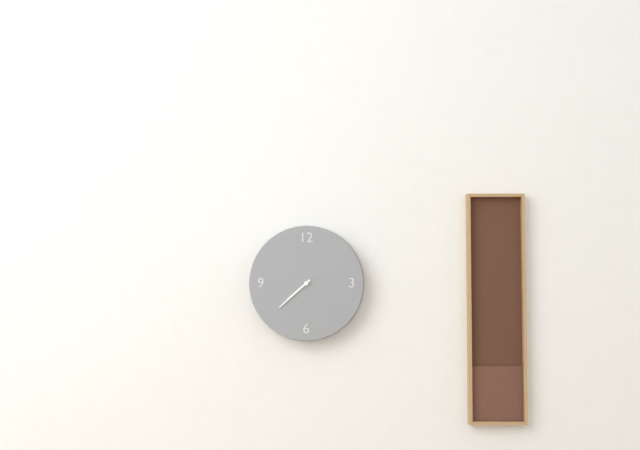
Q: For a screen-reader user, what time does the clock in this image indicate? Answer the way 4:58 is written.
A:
7:38
